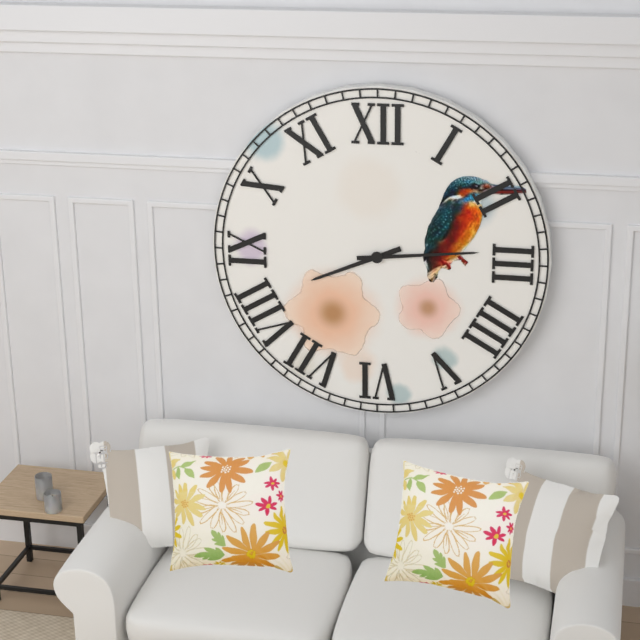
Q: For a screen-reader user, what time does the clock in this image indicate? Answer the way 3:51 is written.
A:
8:14
